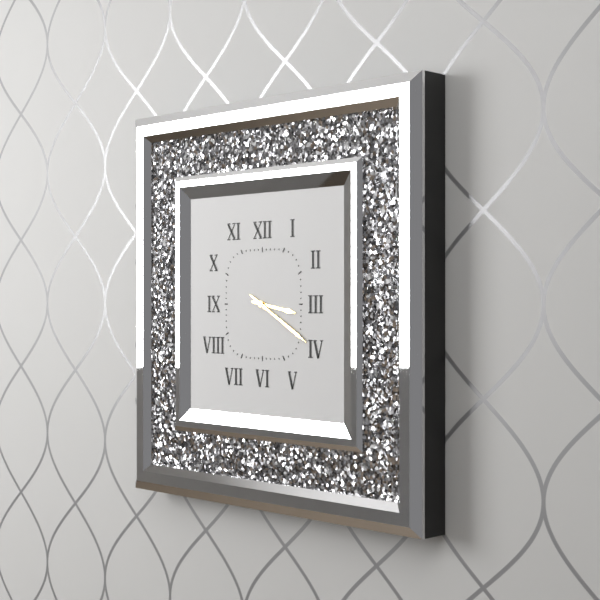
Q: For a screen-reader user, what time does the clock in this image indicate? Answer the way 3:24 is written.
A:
3:20
